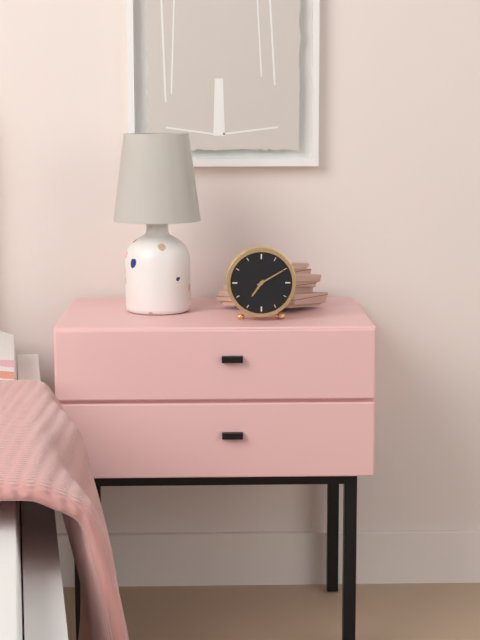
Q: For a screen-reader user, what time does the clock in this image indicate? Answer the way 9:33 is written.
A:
7:10
